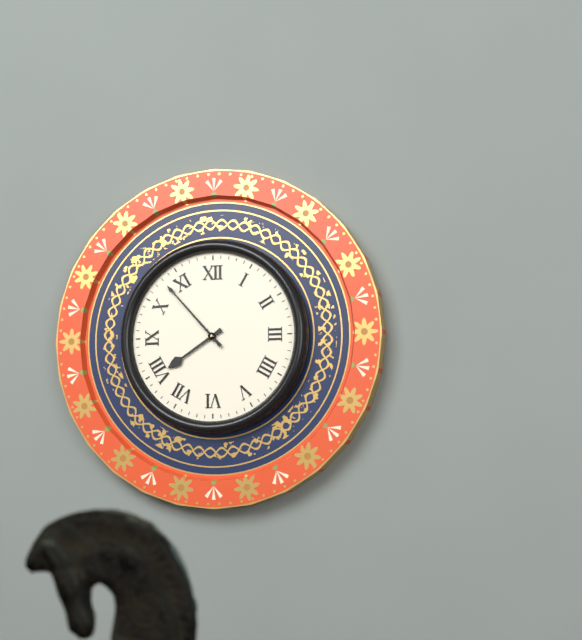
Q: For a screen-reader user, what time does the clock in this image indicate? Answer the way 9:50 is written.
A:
7:53
